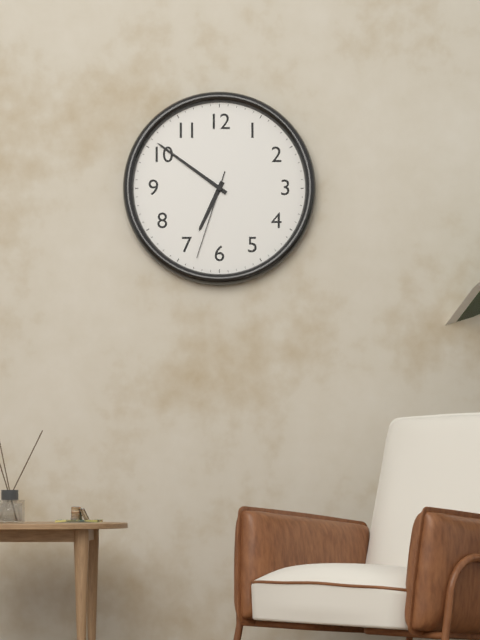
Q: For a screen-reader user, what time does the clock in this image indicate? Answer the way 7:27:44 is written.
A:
6:51:33
